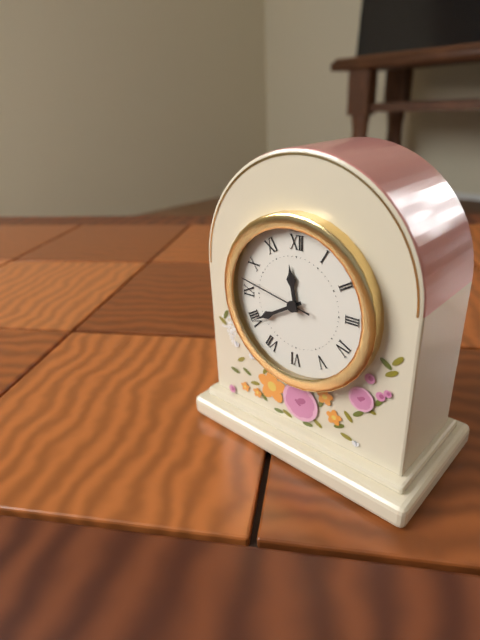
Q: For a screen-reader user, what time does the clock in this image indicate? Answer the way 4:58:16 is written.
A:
11:40:47
